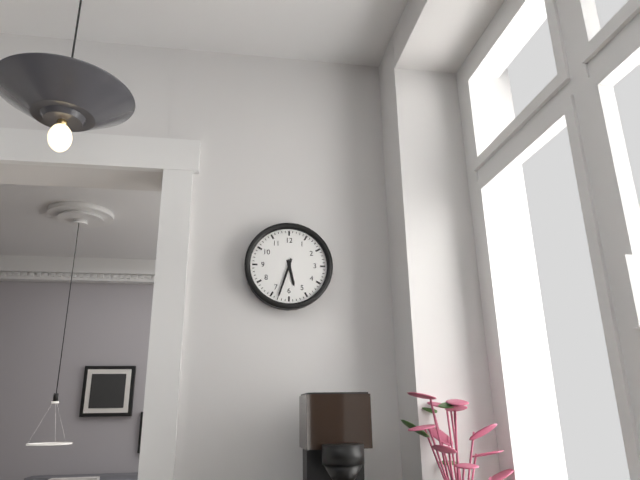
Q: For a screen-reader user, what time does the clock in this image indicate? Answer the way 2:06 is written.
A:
5:33
